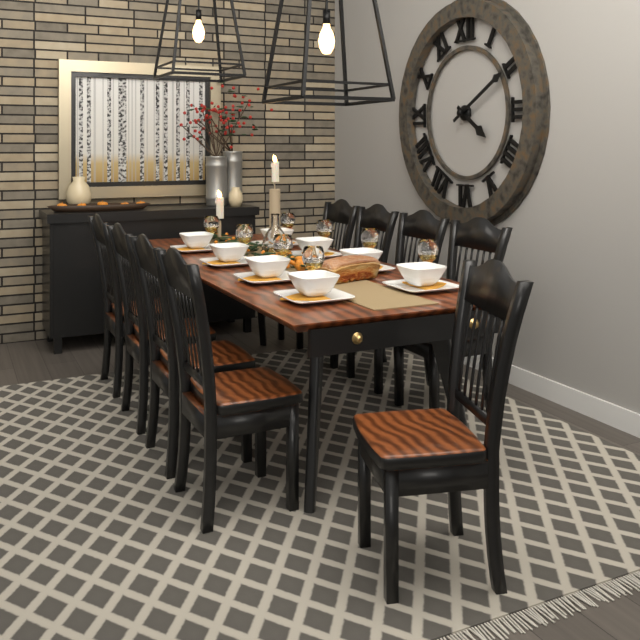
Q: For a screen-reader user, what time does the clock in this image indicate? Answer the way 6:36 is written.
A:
4:10
